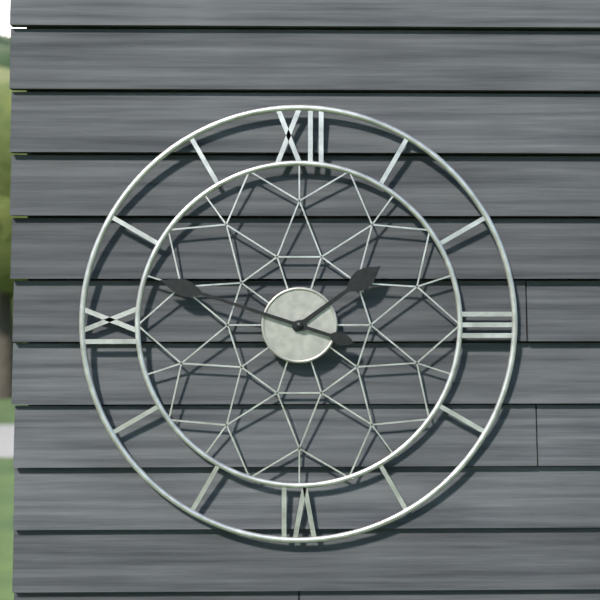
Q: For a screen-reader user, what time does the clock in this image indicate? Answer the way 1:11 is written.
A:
1:48
